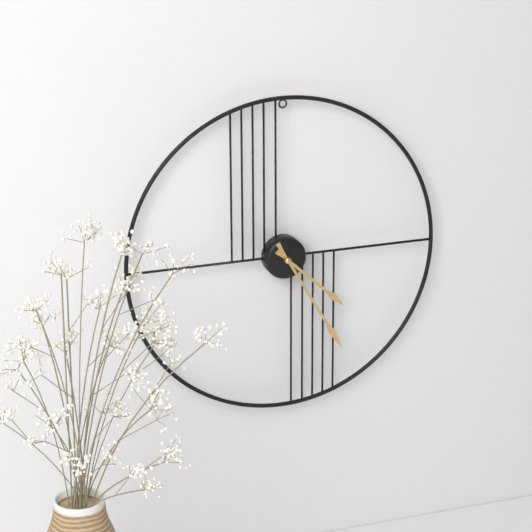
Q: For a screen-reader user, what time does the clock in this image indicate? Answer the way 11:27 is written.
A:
4:25
